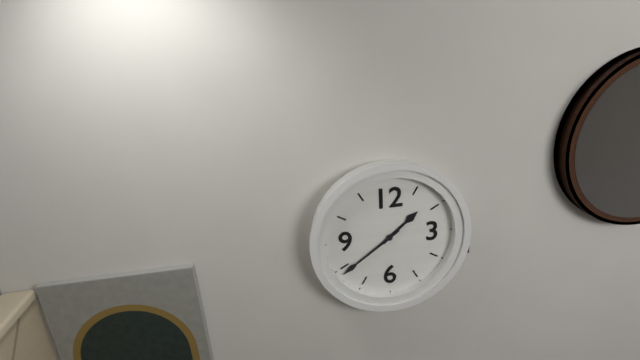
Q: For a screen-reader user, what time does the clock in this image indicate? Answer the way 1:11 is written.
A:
1:39
